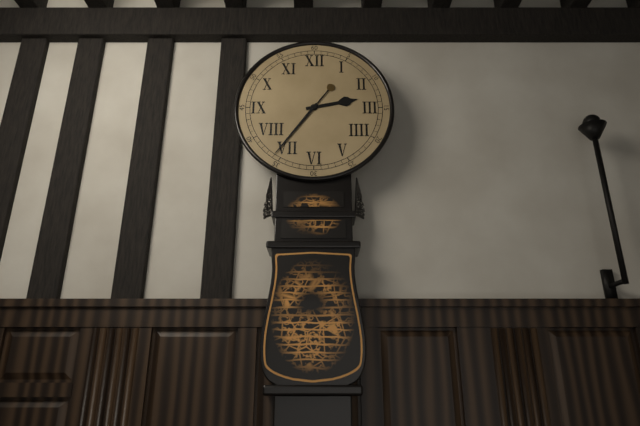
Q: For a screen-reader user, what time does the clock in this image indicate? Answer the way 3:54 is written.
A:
2:36
